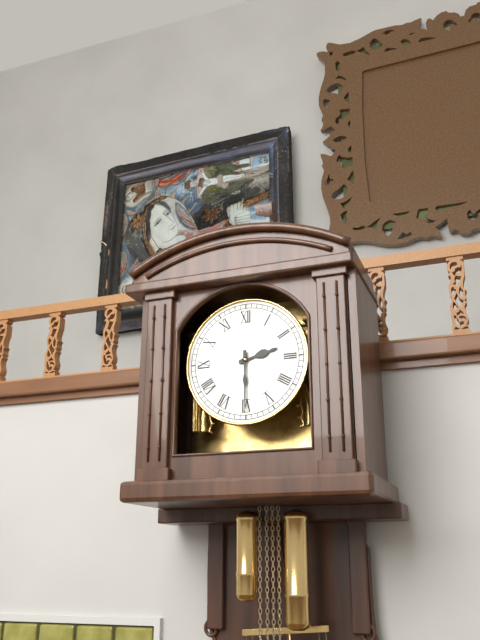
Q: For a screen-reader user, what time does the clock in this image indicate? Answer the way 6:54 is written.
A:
2:30
